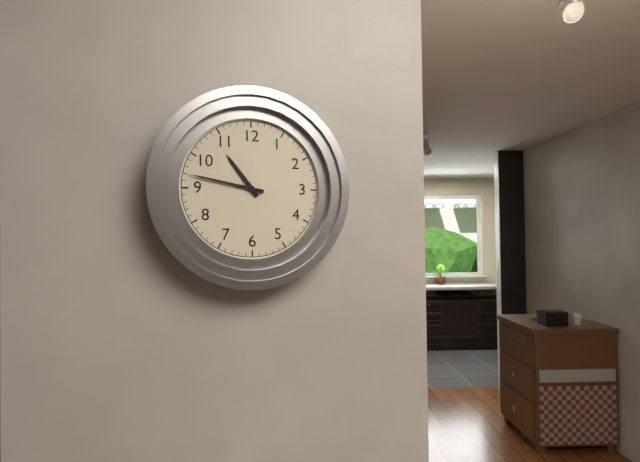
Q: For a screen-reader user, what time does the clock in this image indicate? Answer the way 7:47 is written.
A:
10:47
